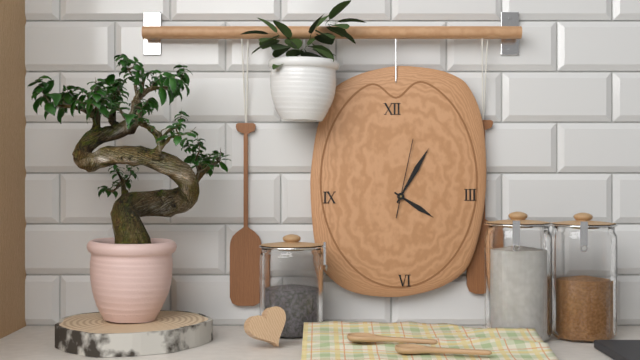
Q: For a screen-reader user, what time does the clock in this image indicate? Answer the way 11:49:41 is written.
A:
4:05:02
